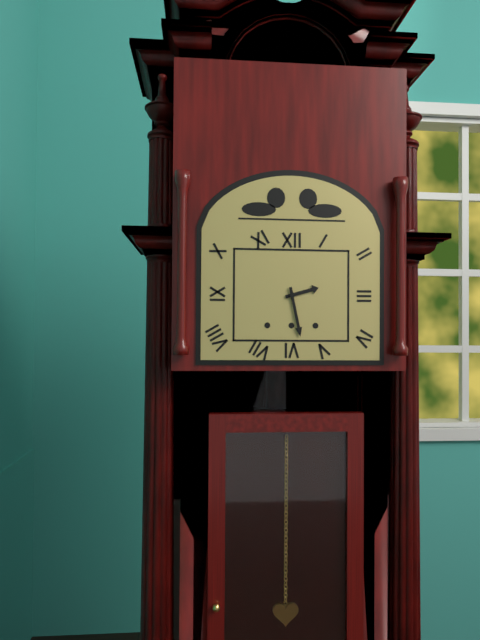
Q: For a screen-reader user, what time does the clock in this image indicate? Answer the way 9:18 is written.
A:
2:28
